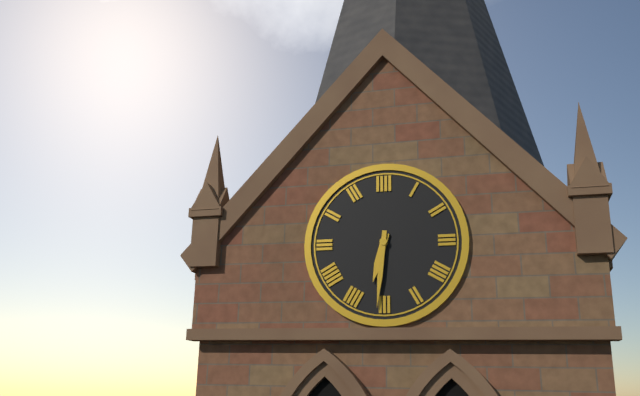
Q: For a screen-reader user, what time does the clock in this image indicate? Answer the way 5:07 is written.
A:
6:31
